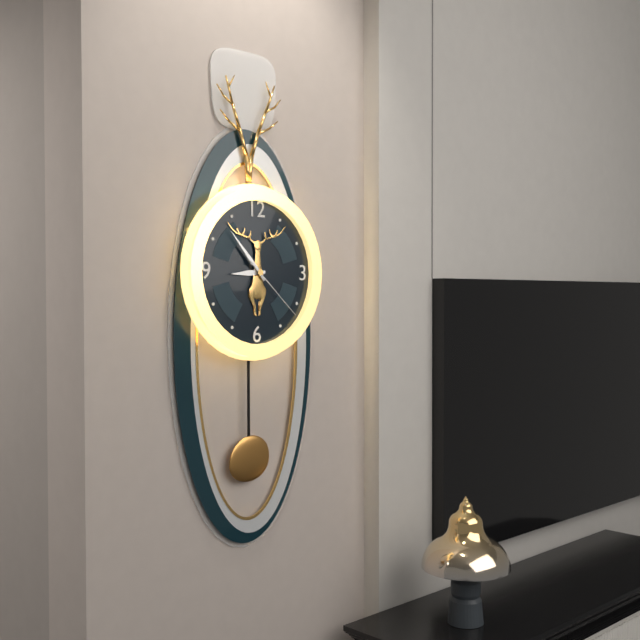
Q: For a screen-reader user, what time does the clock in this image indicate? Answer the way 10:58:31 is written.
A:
8:53:22
